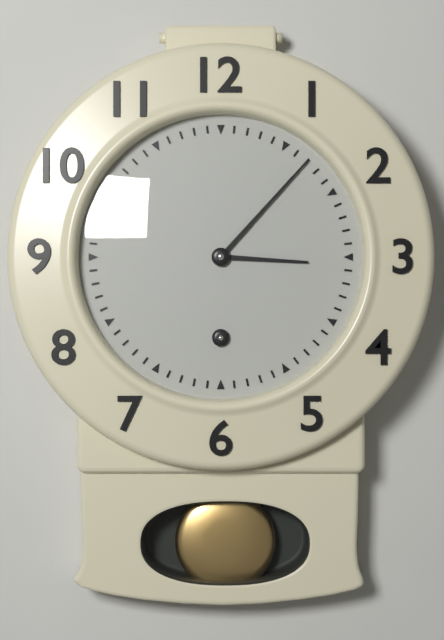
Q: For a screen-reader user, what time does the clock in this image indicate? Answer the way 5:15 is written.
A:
3:07
